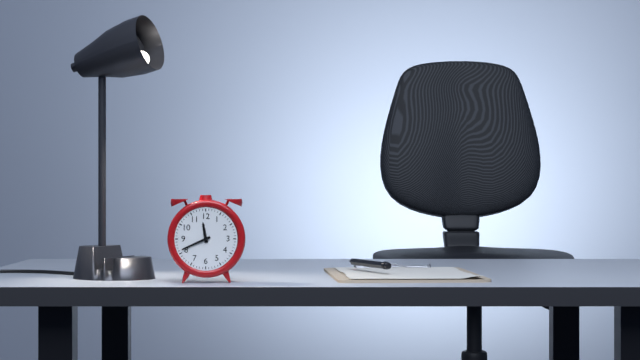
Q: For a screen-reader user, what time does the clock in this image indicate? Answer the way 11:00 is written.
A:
11:41
